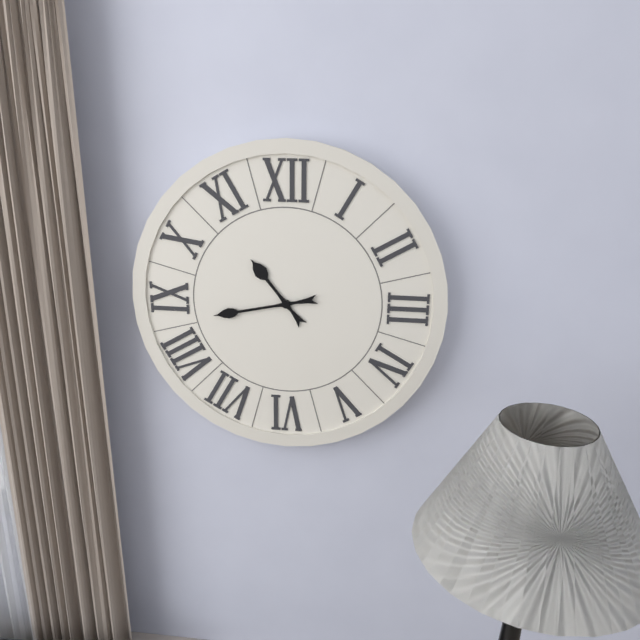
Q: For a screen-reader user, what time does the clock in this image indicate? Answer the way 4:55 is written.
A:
10:43
